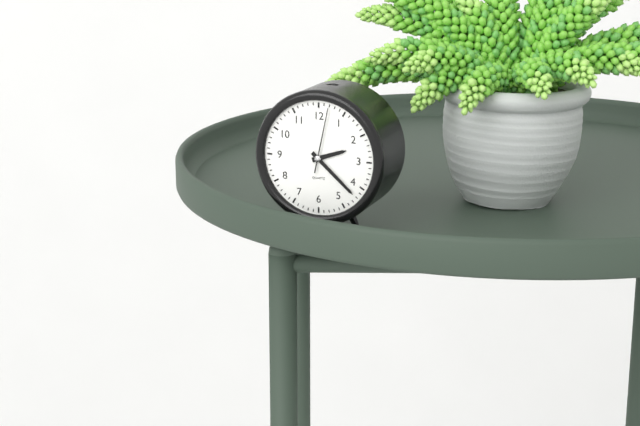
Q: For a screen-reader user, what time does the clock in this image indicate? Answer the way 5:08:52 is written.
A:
2:22:02
